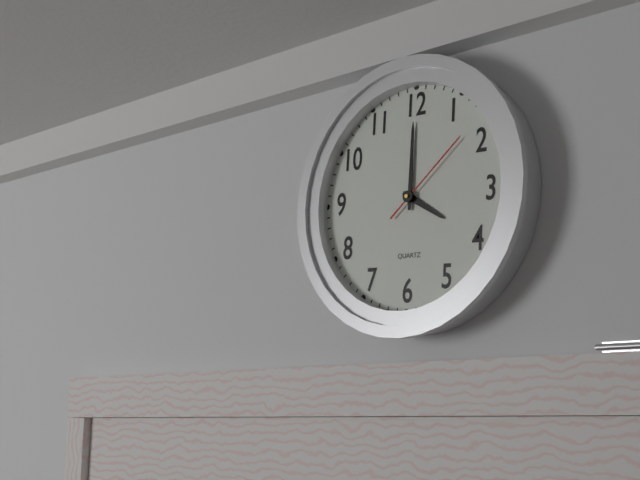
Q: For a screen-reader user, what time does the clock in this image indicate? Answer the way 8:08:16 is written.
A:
4:00:08
